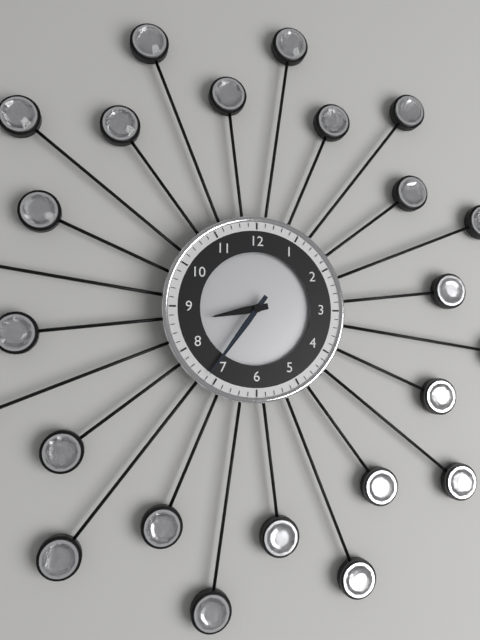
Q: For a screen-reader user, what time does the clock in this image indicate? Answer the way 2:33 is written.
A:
8:36
